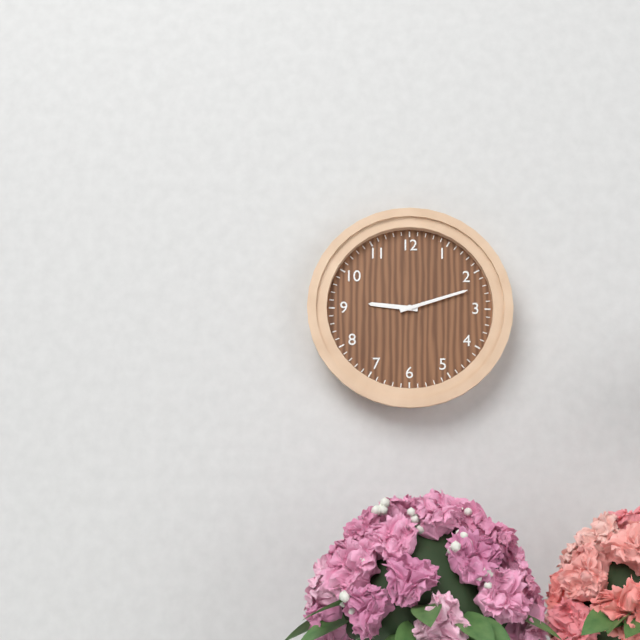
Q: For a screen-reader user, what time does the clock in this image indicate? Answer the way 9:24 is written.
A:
9:12
